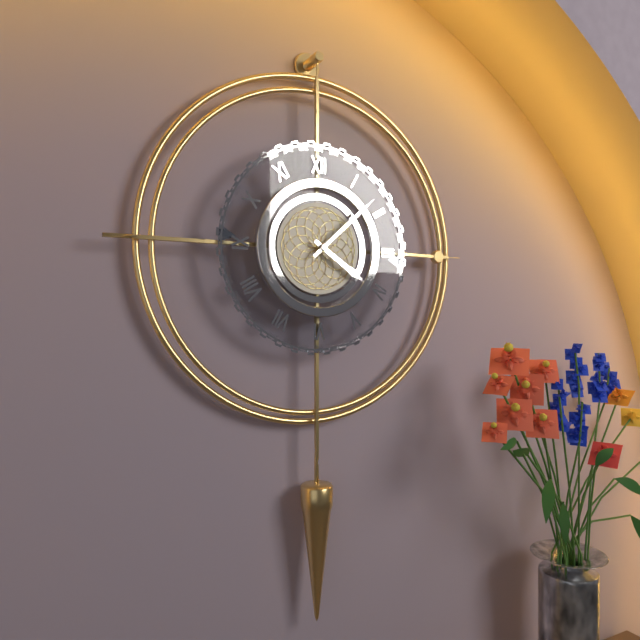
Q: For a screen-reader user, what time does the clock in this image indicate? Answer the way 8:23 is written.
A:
4:08
